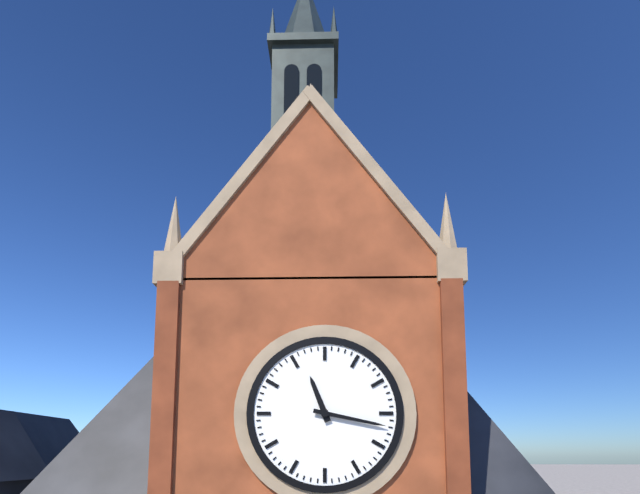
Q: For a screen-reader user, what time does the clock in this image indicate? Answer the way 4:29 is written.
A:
11:17
